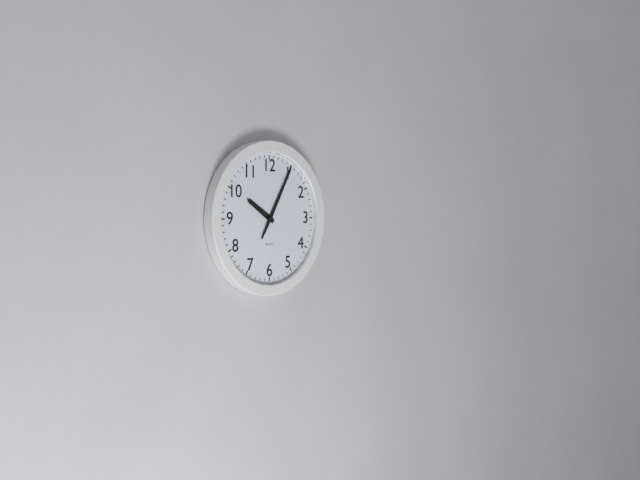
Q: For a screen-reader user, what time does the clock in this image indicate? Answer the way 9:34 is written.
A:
10:05
